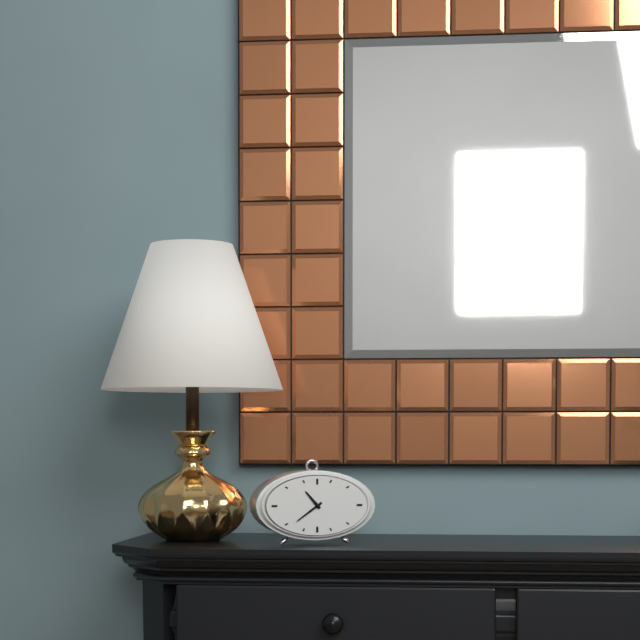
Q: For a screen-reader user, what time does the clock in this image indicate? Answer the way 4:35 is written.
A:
10:39
